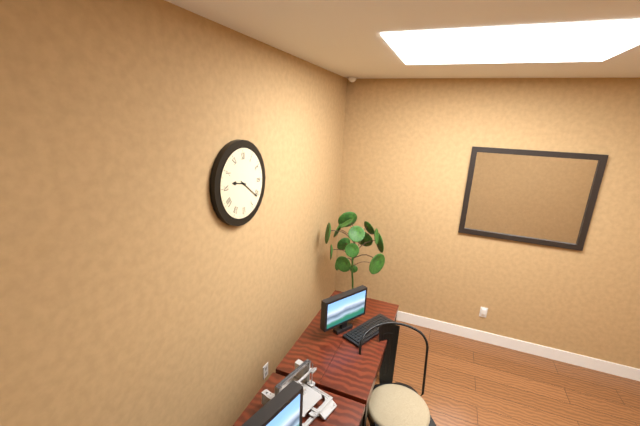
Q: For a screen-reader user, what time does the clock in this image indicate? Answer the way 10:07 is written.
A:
9:21
